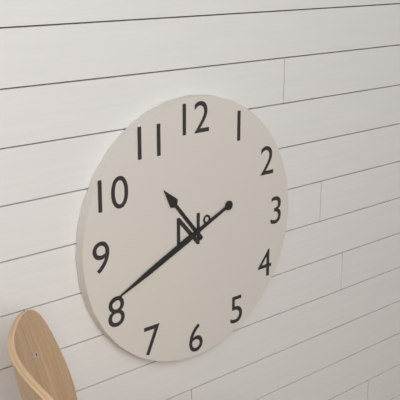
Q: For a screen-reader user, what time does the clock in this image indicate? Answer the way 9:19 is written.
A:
10:41
